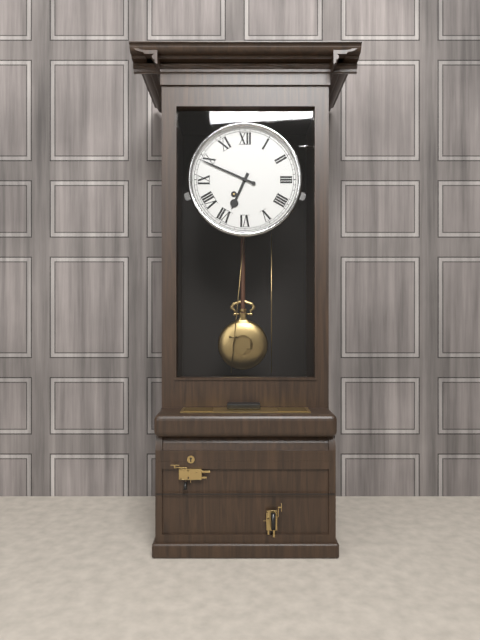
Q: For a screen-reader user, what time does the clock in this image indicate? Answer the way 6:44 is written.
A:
6:49
